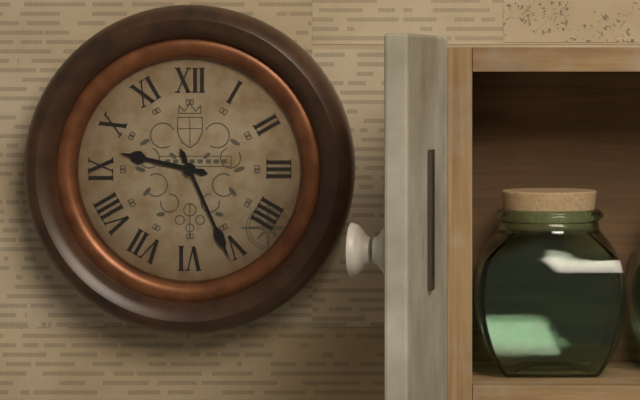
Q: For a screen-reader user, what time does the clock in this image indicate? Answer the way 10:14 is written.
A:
9:26
